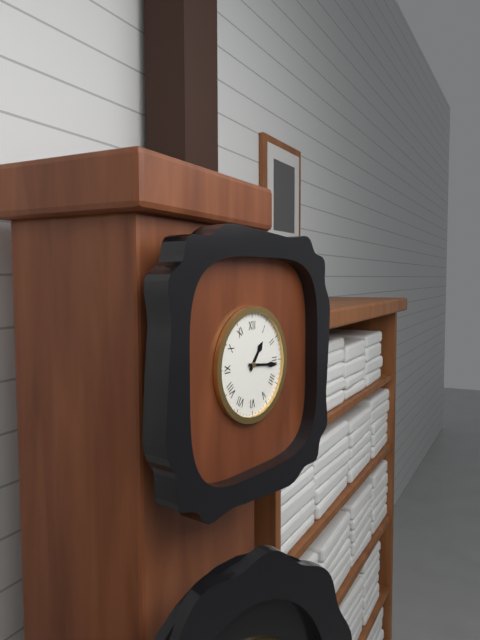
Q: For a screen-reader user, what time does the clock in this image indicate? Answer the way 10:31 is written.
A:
1:16
